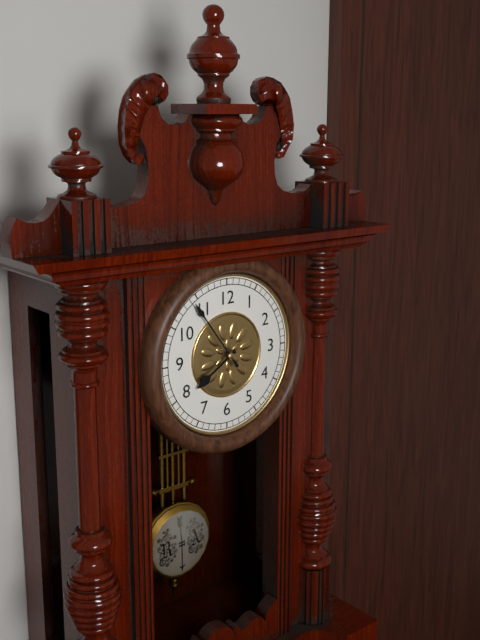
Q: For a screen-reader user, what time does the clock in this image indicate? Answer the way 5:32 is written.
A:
7:54
